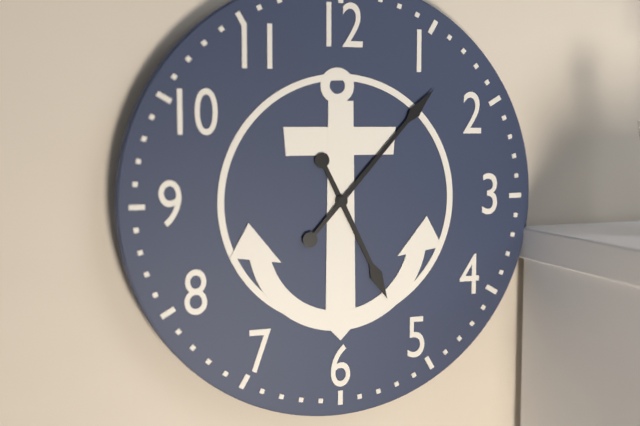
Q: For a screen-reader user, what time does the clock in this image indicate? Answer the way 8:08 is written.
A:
5:07
